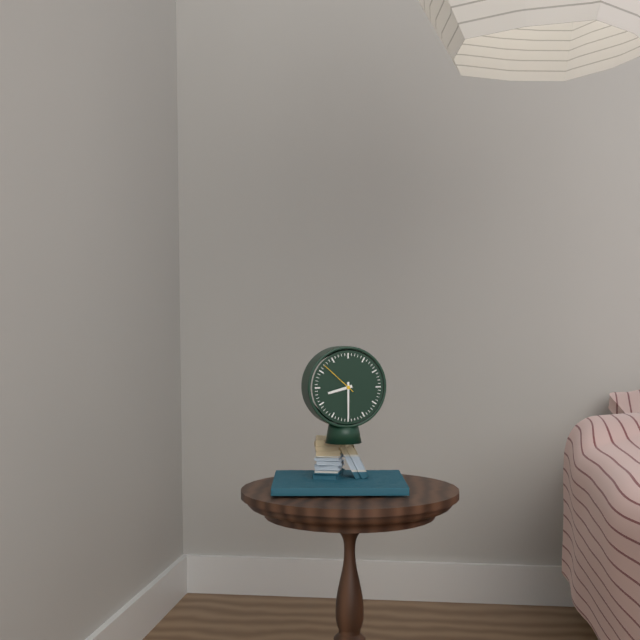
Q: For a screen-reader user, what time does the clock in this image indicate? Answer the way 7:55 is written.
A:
8:30
